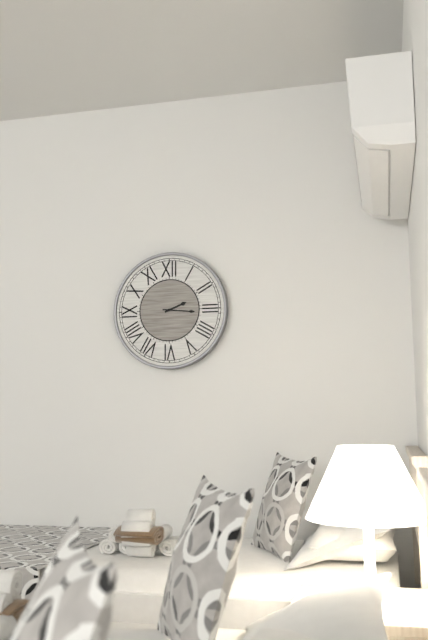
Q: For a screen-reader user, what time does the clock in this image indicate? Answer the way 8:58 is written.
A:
2:16
